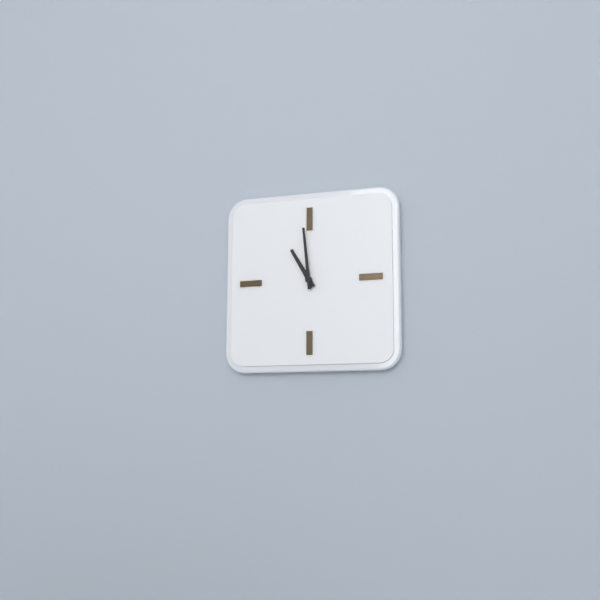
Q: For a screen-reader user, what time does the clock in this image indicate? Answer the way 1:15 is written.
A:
10:59
